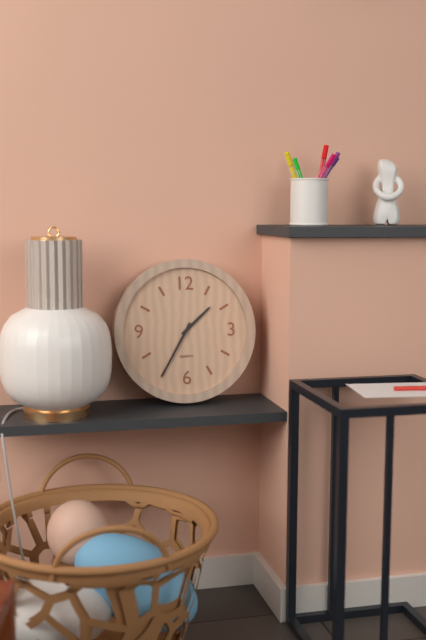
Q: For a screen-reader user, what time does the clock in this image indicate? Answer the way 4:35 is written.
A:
1:35
